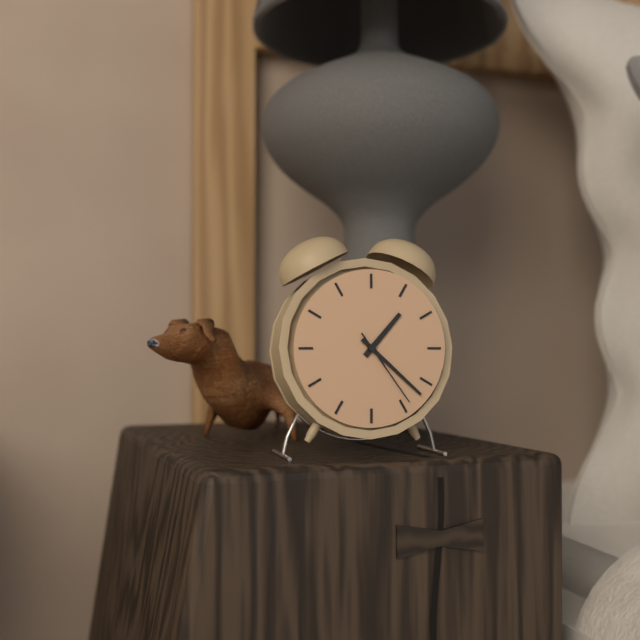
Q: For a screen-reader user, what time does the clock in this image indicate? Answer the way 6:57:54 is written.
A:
1:22:24
